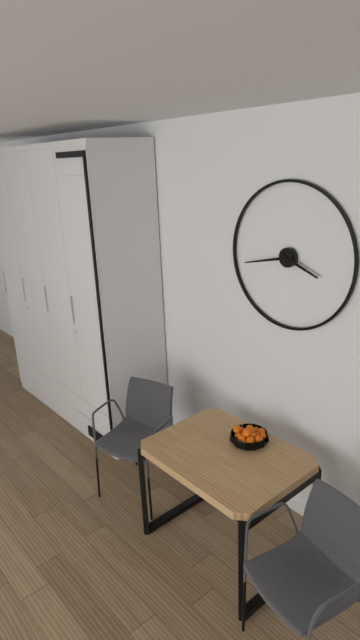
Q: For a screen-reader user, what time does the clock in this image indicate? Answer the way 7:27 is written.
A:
3:43
